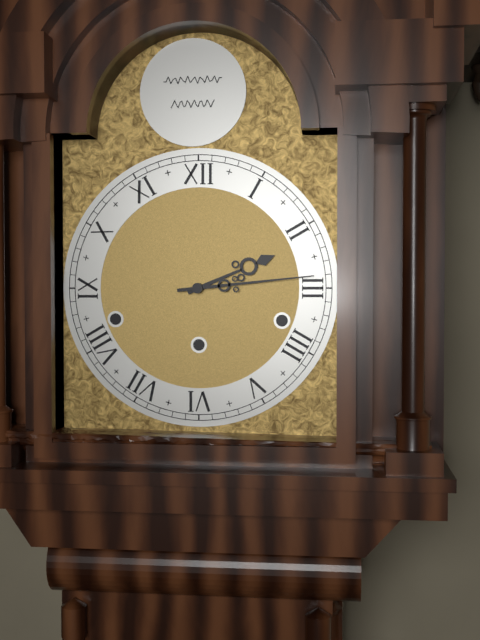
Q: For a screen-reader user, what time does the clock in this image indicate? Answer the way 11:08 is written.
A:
2:14
